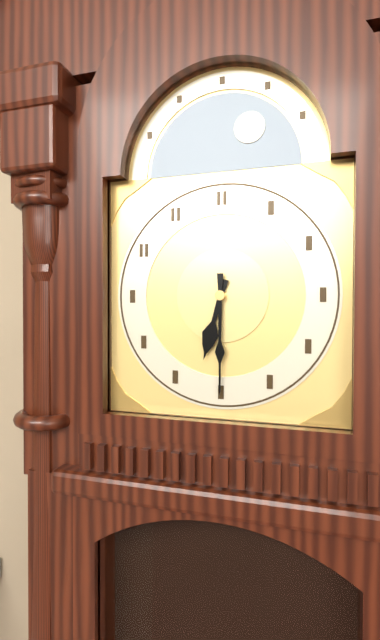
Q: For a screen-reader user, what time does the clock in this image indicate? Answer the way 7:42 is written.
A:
6:30
